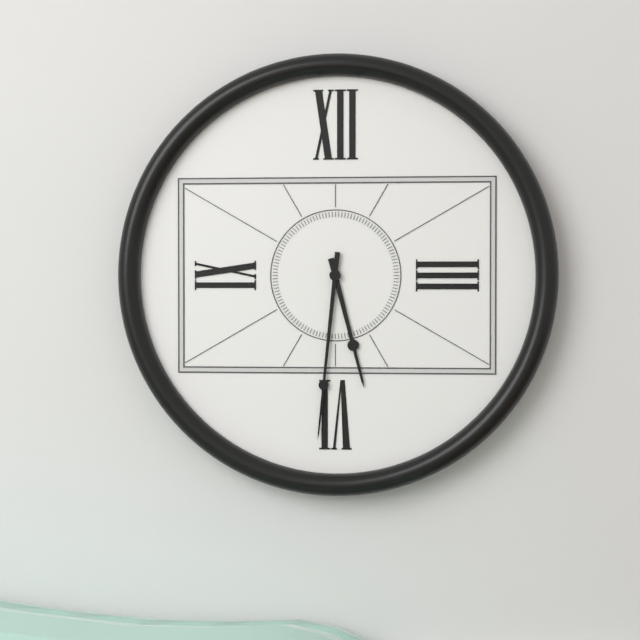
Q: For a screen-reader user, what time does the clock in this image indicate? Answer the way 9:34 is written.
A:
5:31
